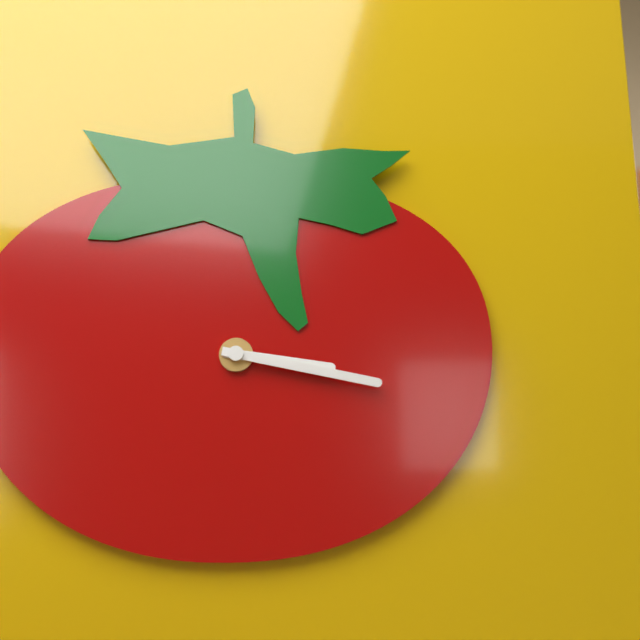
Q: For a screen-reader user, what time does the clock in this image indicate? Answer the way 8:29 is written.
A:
3:17
